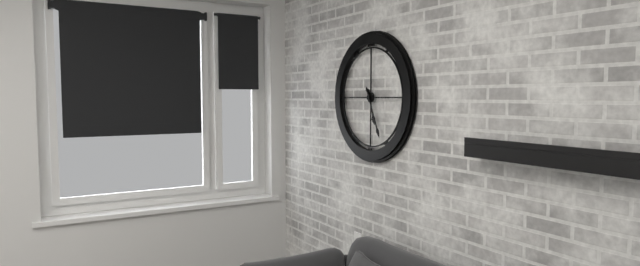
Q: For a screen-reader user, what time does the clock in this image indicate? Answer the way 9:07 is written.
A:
5:26
